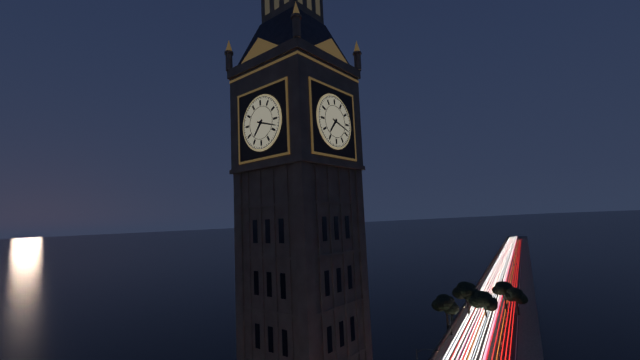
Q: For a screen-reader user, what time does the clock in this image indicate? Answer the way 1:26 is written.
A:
7:18
